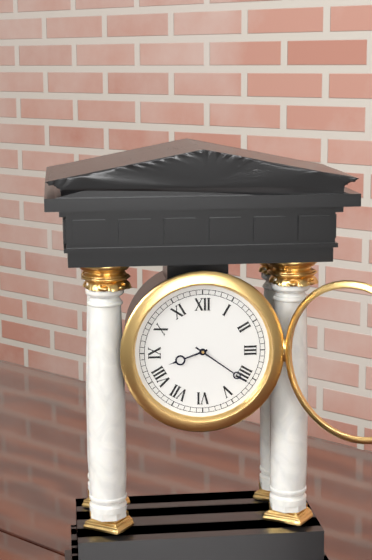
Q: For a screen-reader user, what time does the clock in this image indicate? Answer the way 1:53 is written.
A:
8:21
